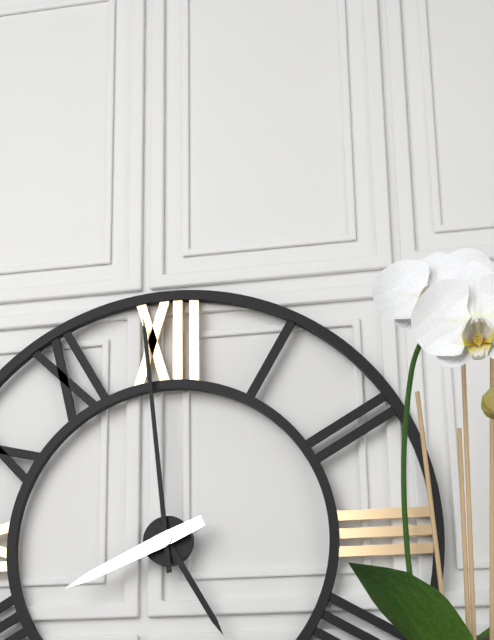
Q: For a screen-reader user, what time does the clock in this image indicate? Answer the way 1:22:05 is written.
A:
4:59:41
